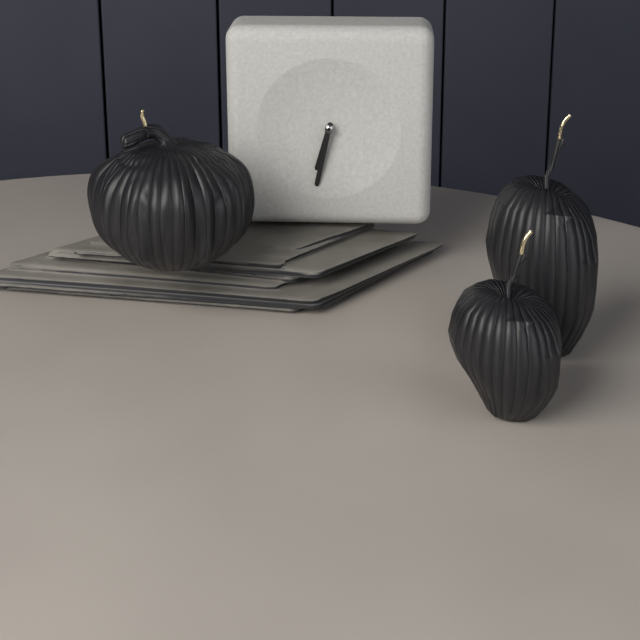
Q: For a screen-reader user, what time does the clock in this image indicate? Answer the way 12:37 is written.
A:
6:32
